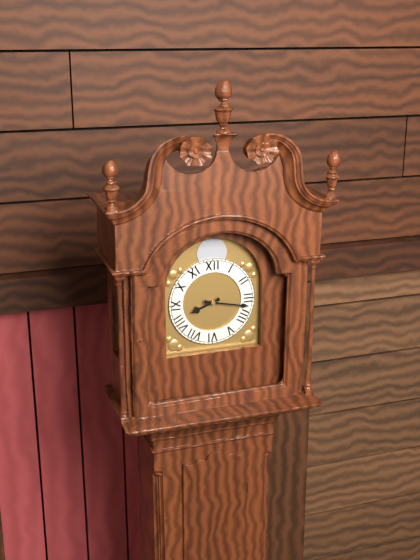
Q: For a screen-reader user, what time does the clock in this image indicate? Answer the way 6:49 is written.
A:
8:17
